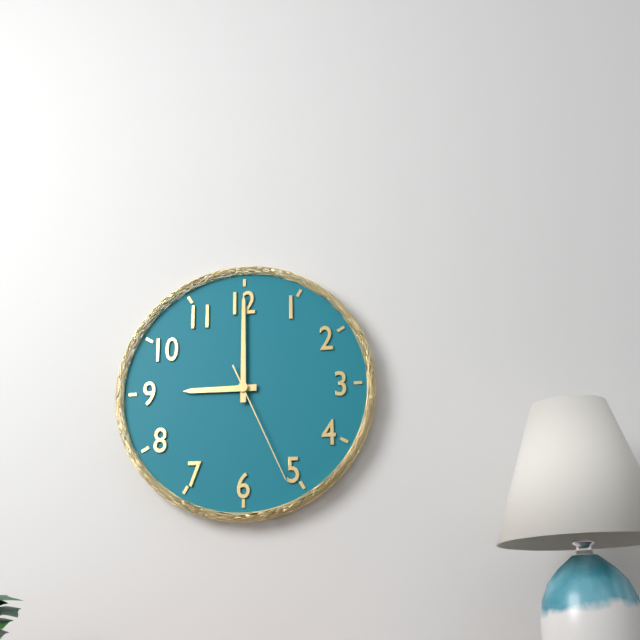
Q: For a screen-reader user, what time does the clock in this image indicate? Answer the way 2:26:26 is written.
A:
9:00:26
